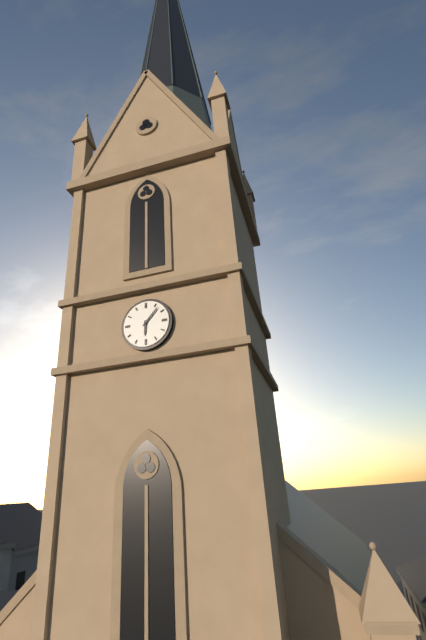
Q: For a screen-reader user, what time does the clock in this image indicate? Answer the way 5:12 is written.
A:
6:07
